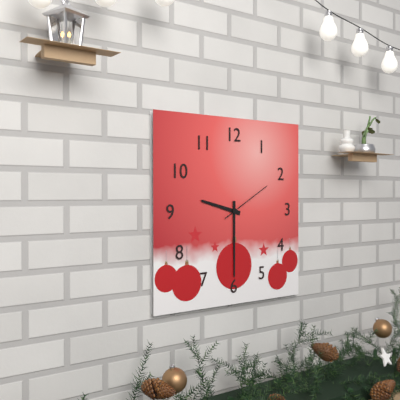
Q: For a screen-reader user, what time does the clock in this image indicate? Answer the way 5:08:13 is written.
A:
9:30:10
